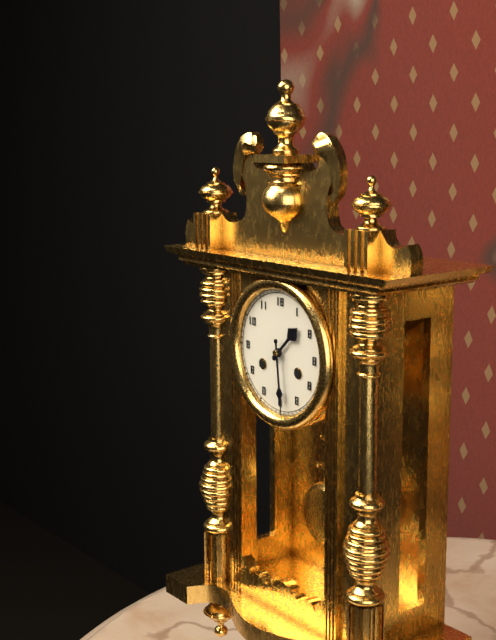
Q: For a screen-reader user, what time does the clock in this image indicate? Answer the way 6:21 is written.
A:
1:29
